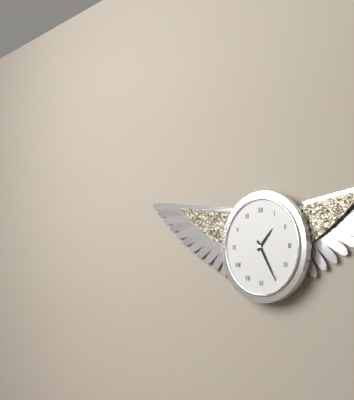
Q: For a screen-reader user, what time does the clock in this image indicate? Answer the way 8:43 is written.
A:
1:25
